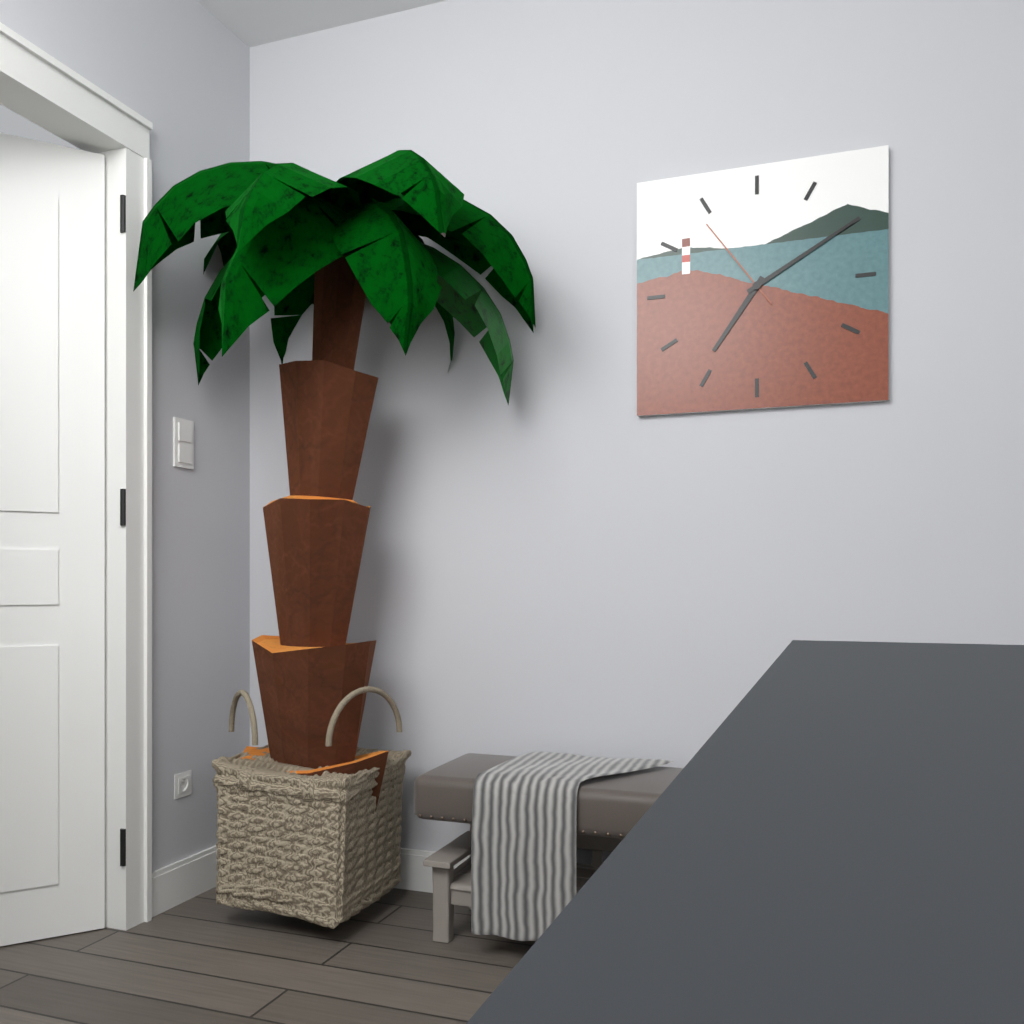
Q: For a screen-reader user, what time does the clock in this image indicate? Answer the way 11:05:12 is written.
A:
7:10:54
